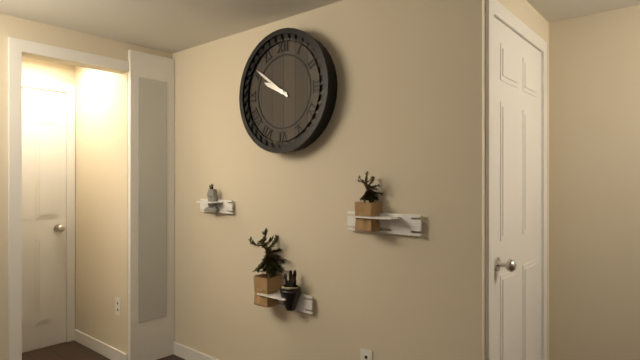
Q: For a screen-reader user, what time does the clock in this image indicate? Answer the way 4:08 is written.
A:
9:51
